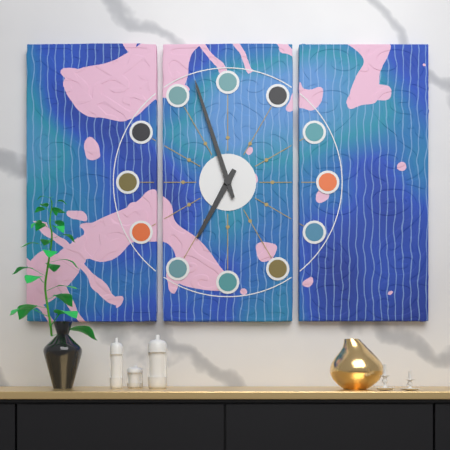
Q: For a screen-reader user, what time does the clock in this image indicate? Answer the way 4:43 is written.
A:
6:57
